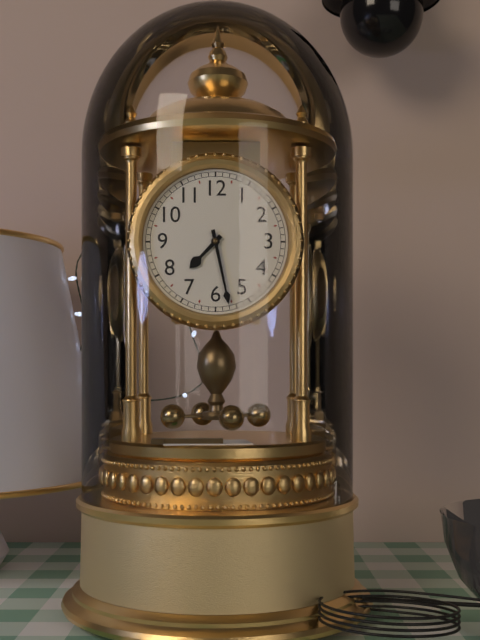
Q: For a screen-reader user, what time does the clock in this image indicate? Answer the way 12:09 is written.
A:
7:28
